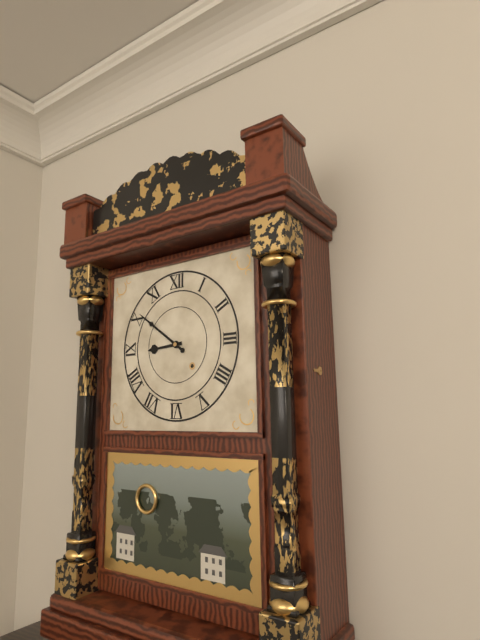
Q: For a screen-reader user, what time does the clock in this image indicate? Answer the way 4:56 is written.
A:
8:51
